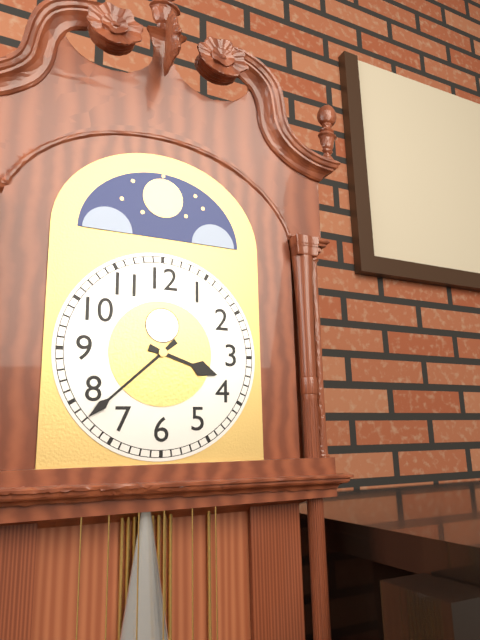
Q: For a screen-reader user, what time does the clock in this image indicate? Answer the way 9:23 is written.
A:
3:38
